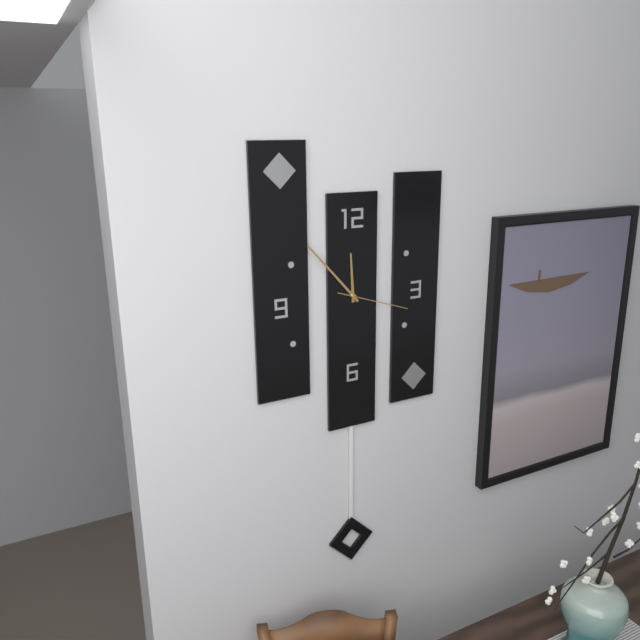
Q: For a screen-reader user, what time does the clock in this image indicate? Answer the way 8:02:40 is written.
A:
11:53:18
